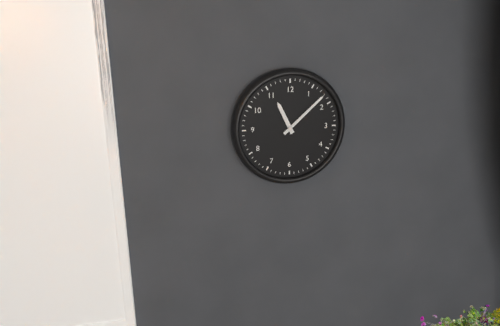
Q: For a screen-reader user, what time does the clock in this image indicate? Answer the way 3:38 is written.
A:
11:08
